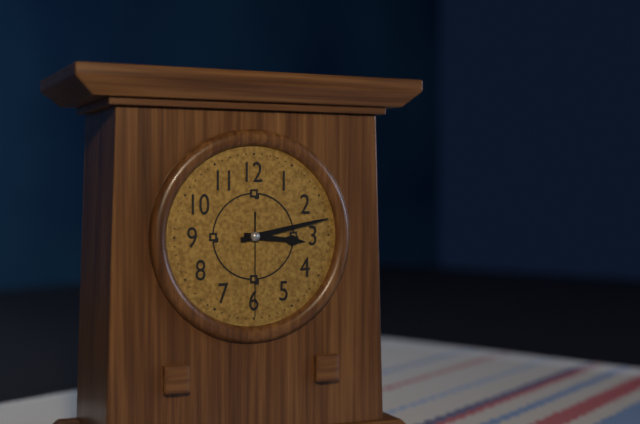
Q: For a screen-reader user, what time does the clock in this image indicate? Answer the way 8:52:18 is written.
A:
3:13:30
